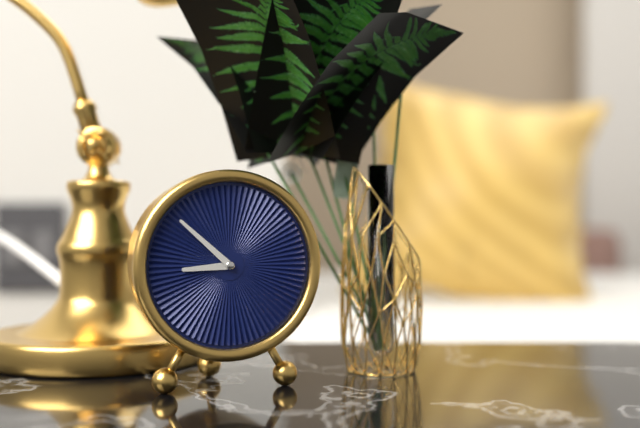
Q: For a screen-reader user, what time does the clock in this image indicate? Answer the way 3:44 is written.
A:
8:52
